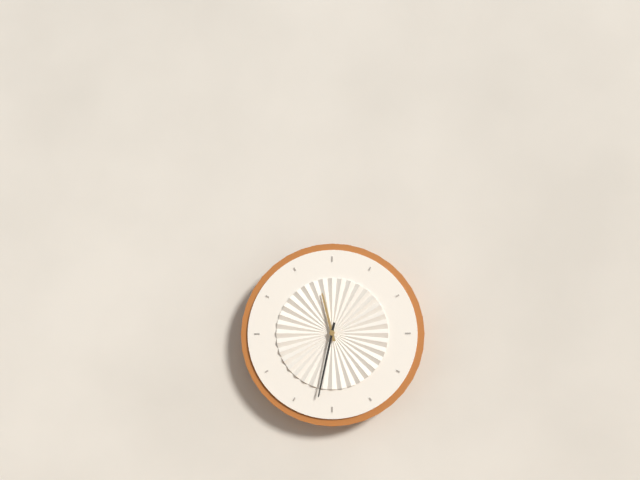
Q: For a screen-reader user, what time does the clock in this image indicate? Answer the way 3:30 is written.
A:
11:32
